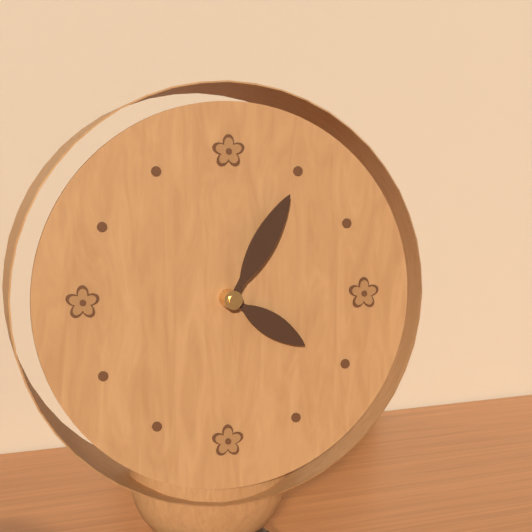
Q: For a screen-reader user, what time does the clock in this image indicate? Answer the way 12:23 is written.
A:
4:05
